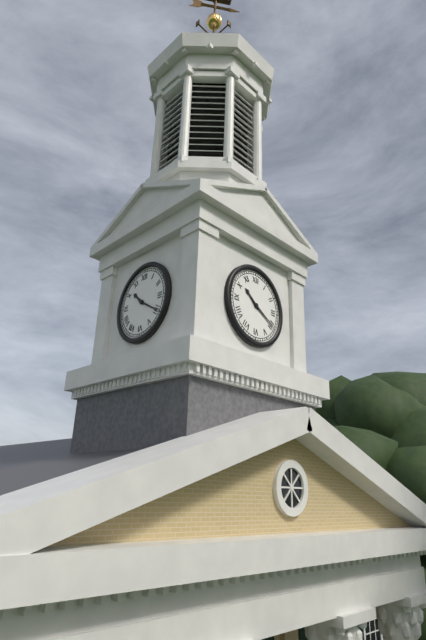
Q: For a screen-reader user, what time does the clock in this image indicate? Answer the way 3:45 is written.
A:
10:20
